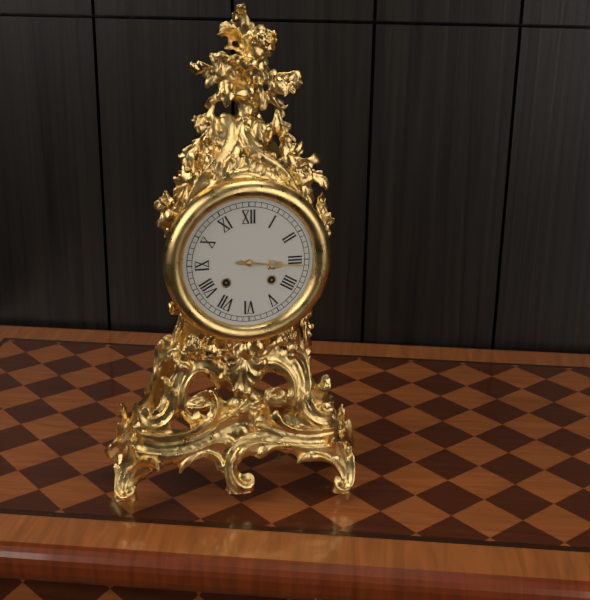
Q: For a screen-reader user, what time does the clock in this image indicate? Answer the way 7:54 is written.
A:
3:16
